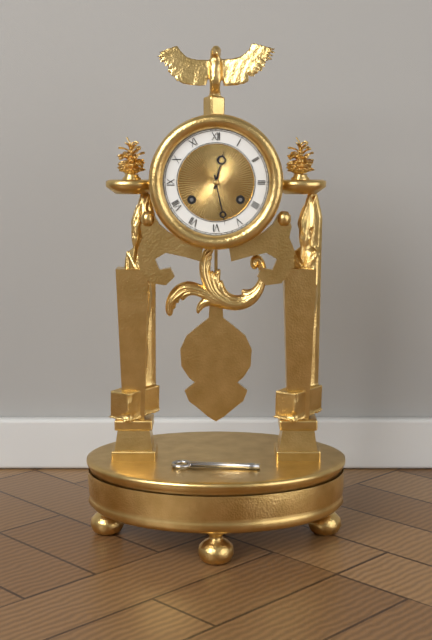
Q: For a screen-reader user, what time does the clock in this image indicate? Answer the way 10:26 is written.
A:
12:28
